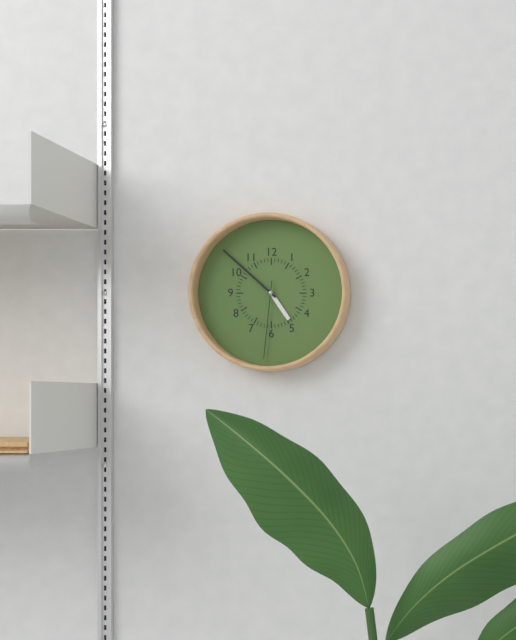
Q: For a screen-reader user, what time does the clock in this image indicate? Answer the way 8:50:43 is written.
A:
4:52:31
